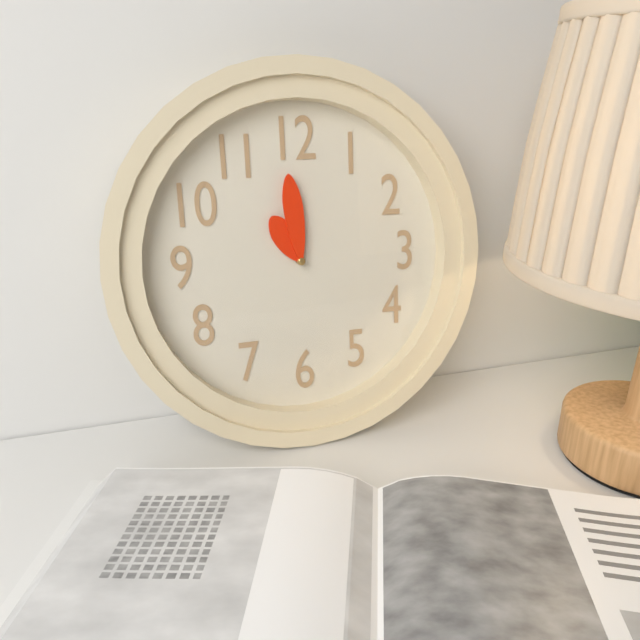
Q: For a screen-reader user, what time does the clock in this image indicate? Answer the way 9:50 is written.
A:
10:59
